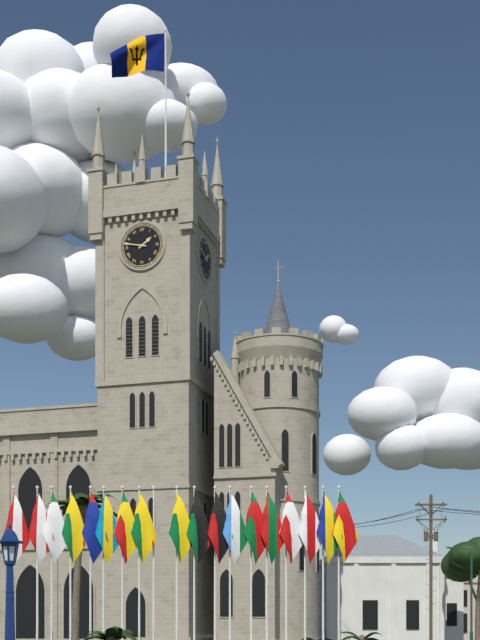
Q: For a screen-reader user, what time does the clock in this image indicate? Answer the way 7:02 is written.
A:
1:47
